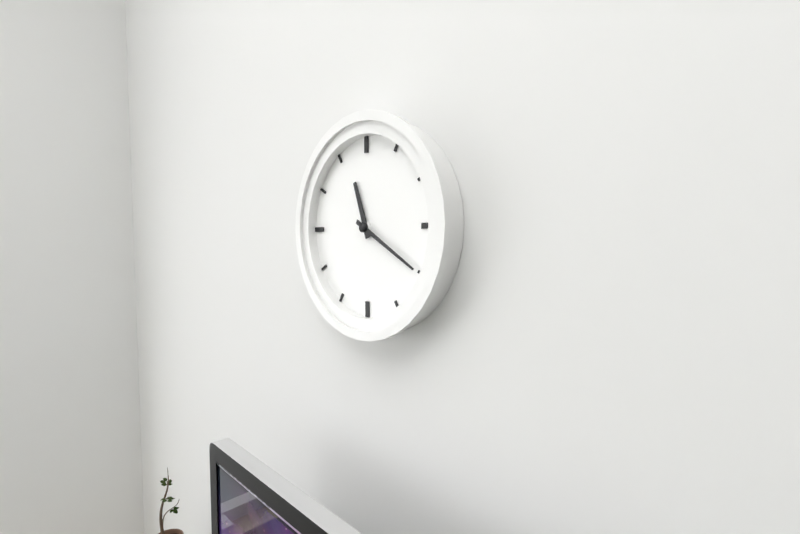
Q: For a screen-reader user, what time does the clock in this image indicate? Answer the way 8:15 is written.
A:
11:20
